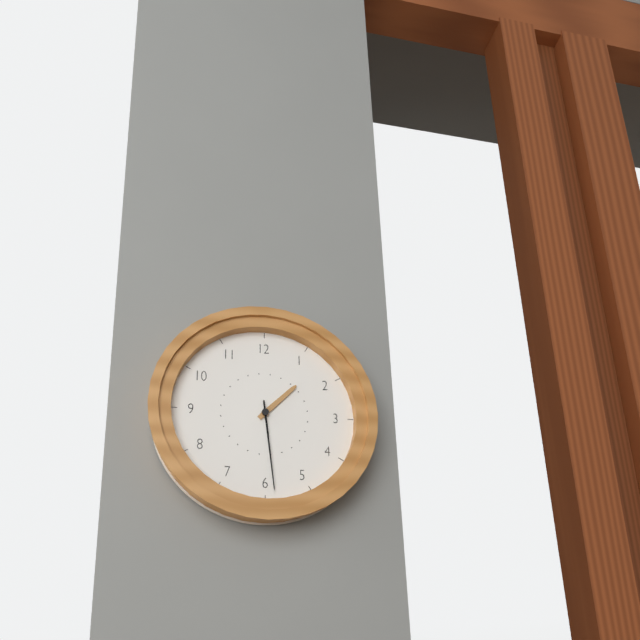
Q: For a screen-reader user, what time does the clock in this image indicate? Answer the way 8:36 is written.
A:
1:29
